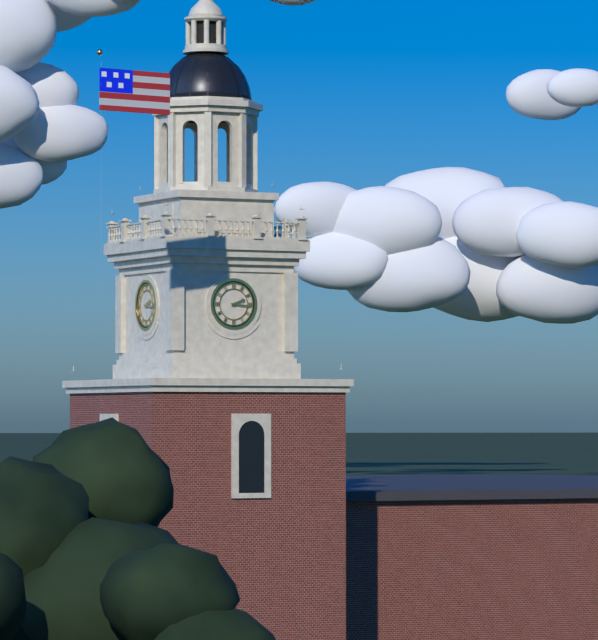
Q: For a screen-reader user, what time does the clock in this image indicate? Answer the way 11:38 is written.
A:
2:16
